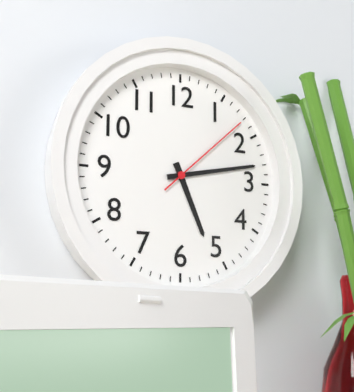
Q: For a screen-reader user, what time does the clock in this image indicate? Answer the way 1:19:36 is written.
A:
5:13:08
